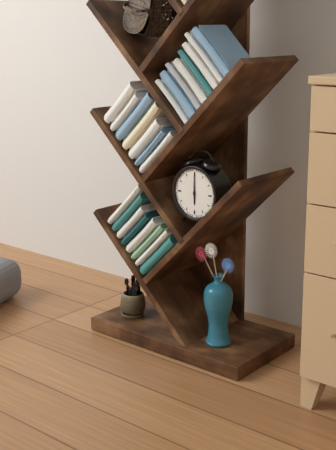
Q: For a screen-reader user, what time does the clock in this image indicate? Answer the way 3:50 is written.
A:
6:00
